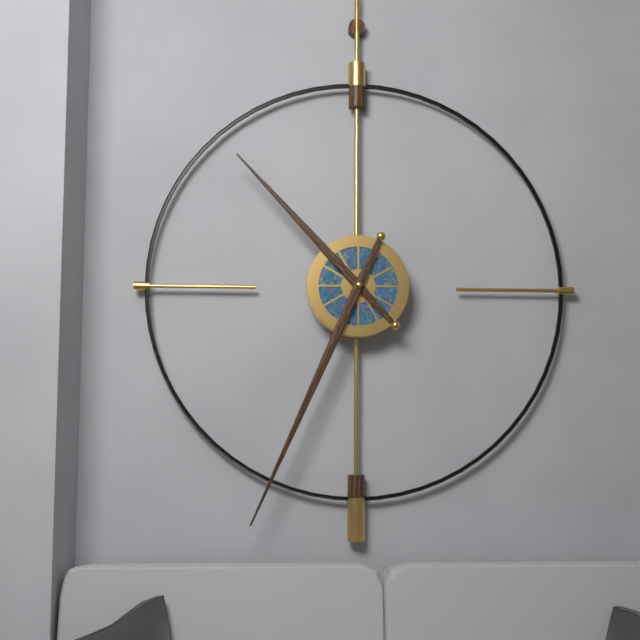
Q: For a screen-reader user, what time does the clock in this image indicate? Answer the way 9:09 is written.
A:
10:34
